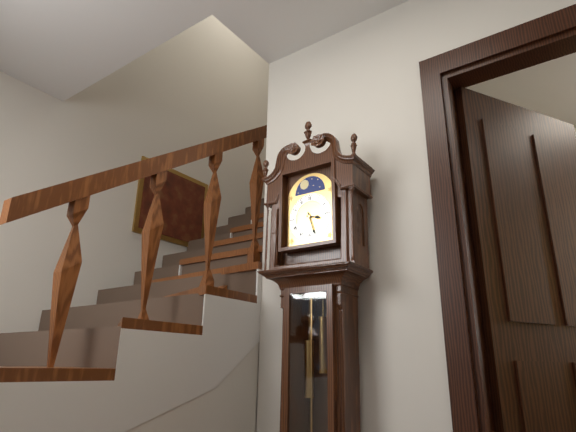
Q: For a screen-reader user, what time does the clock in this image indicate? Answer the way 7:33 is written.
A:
3:27
